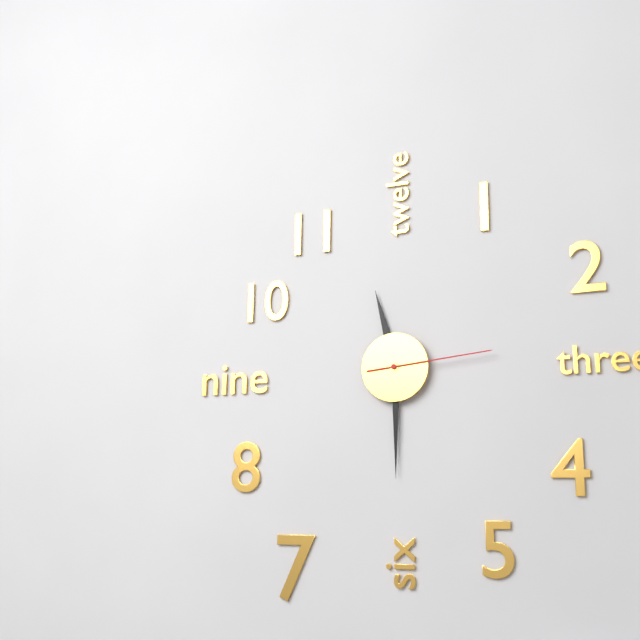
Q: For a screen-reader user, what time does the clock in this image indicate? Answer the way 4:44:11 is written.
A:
11:30:14
